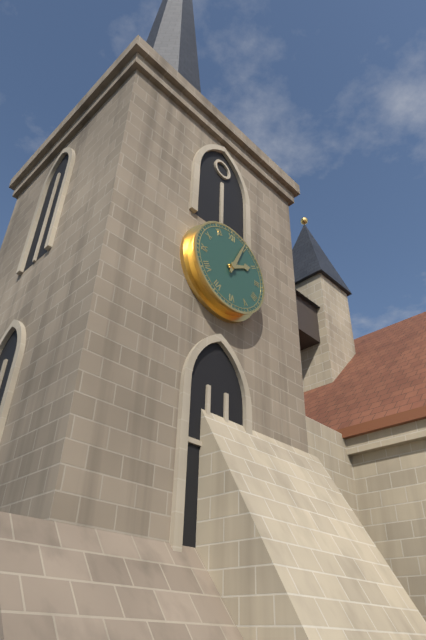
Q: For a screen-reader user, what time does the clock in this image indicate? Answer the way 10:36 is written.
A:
2:04
